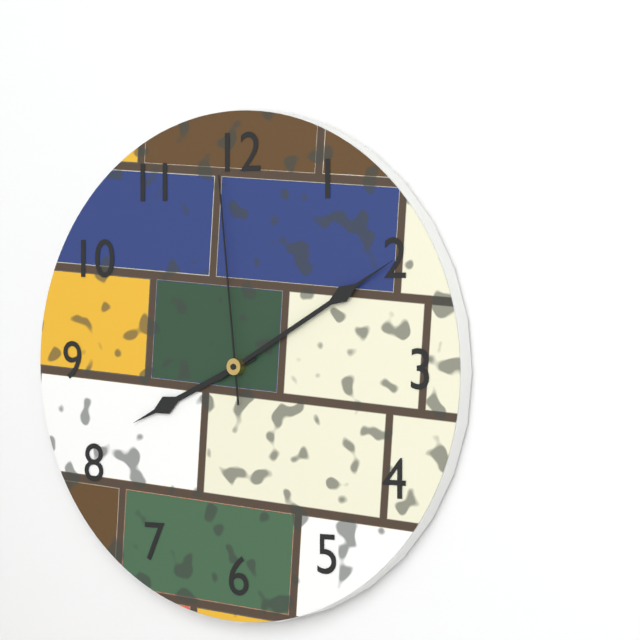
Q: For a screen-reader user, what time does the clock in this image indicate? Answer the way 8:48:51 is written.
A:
8:10:59
